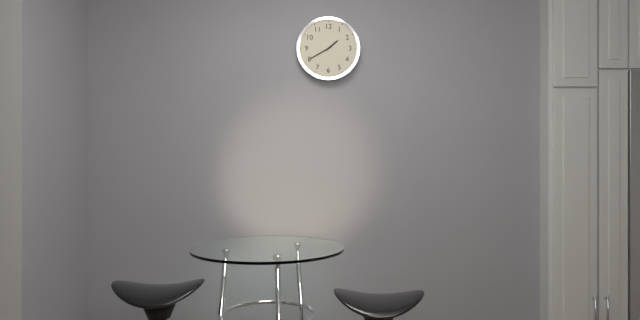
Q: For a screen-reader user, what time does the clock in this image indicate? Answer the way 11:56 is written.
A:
1:40
